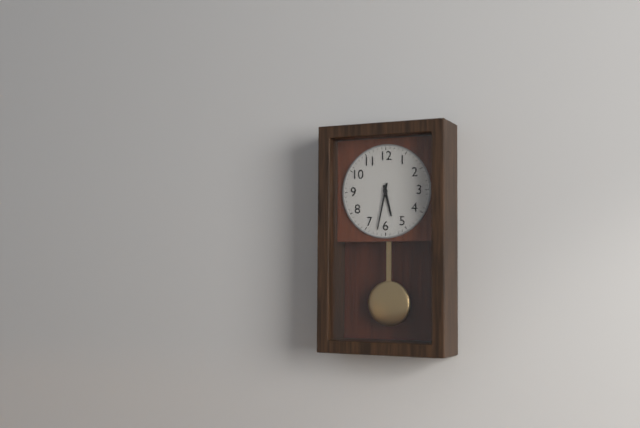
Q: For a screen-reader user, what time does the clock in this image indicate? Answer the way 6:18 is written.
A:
5:32
